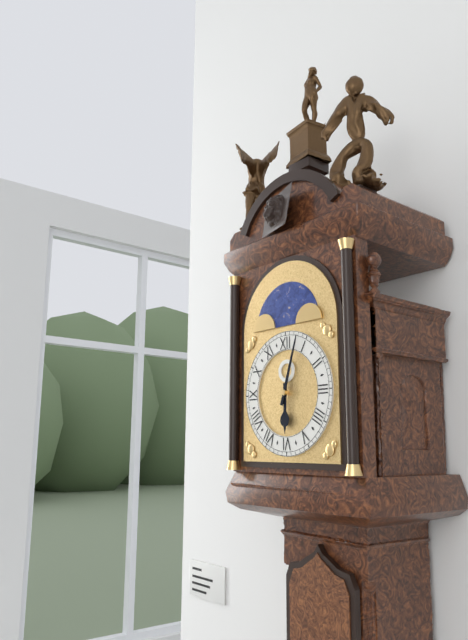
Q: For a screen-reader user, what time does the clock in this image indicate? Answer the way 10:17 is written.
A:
6:03
